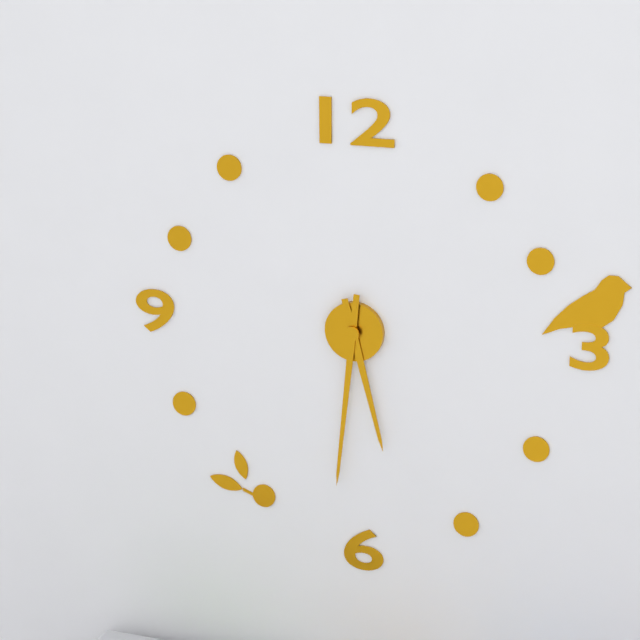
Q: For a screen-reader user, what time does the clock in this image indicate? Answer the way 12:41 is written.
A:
5:31
